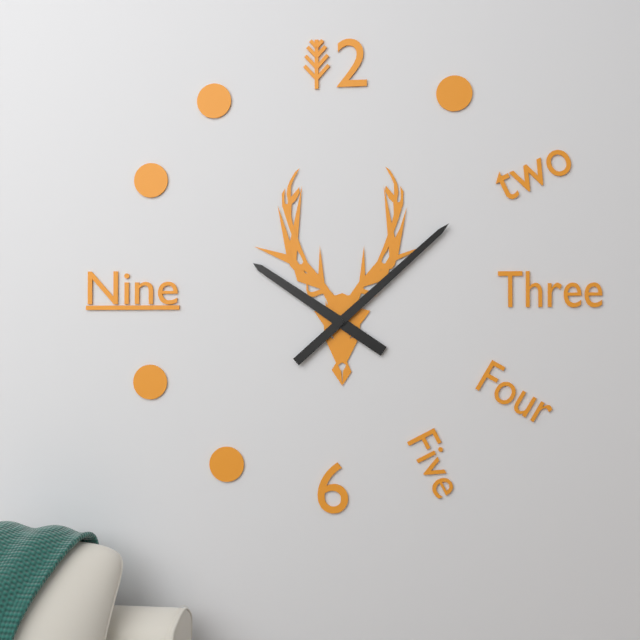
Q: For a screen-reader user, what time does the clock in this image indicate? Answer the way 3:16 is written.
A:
10:08
